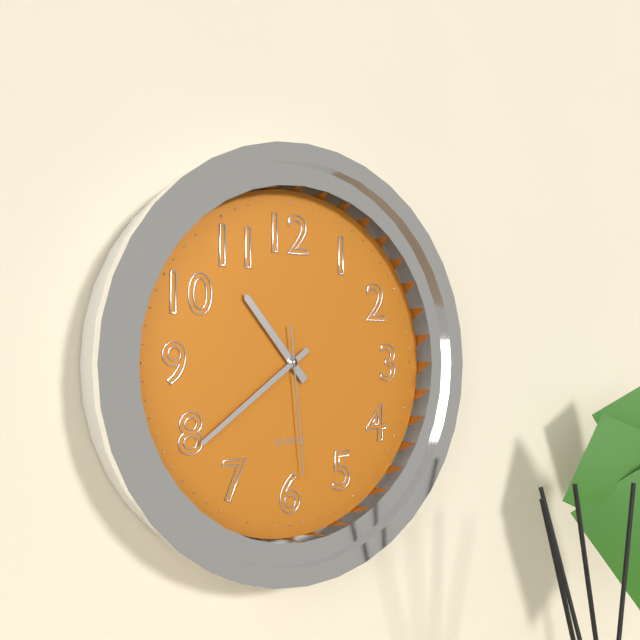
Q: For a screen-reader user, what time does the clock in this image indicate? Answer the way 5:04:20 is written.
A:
10:39:29
